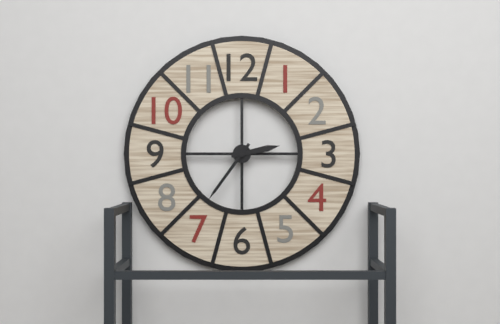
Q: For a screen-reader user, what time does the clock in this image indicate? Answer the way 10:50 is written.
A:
2:36
